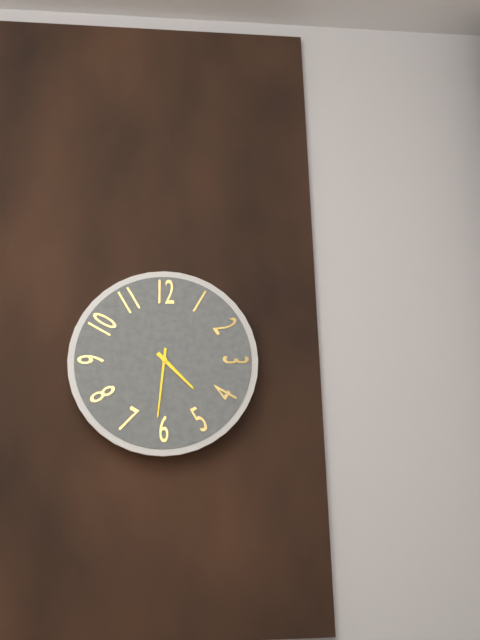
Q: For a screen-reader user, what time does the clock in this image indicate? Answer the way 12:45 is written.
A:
4:31
